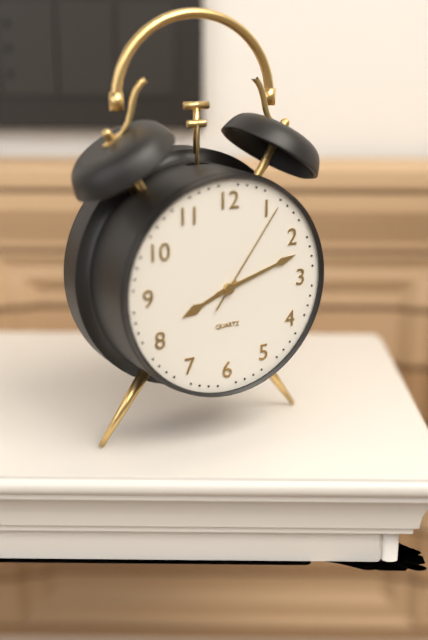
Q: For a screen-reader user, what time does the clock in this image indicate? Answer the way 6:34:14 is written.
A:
8:12:06
